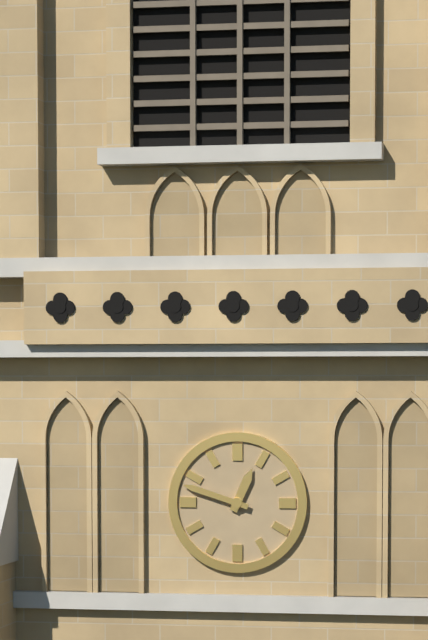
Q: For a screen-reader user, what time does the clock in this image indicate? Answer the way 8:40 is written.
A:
12:48
